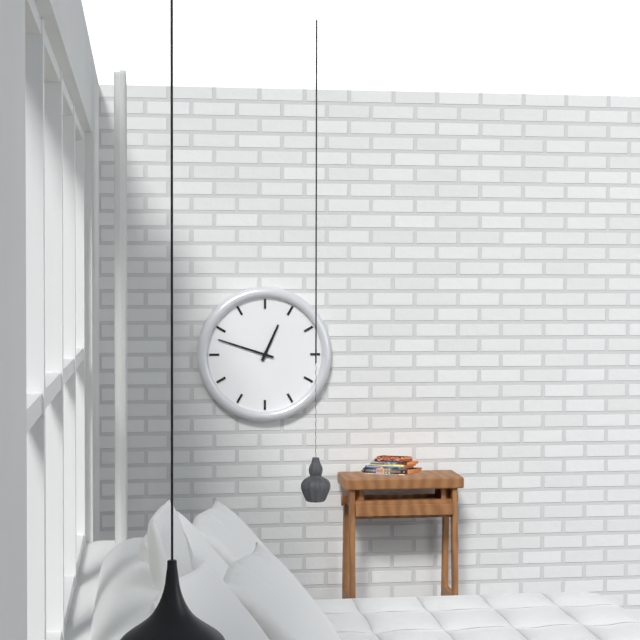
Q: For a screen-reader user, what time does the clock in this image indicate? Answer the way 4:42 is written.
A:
12:48
